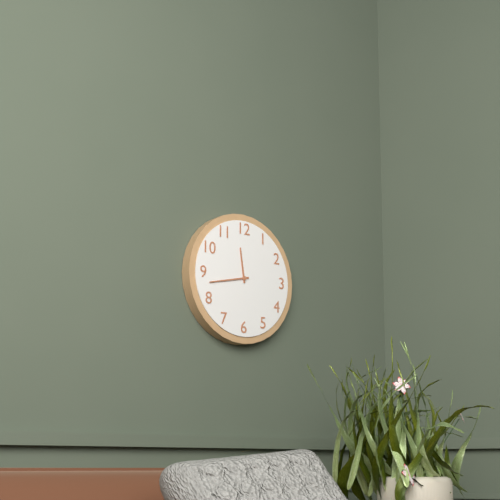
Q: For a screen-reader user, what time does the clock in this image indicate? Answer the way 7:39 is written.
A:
11:43
